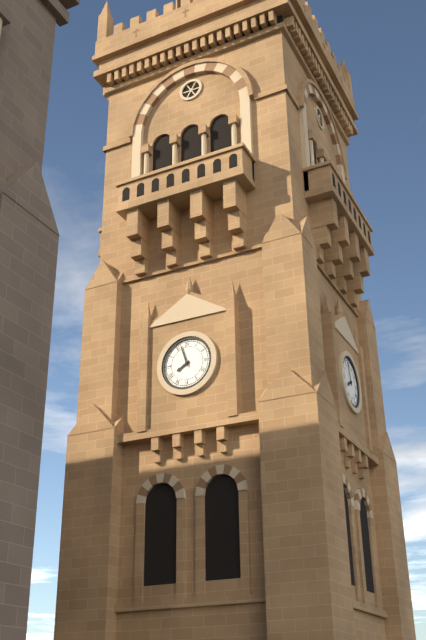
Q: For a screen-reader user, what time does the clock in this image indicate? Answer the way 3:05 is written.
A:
7:57
